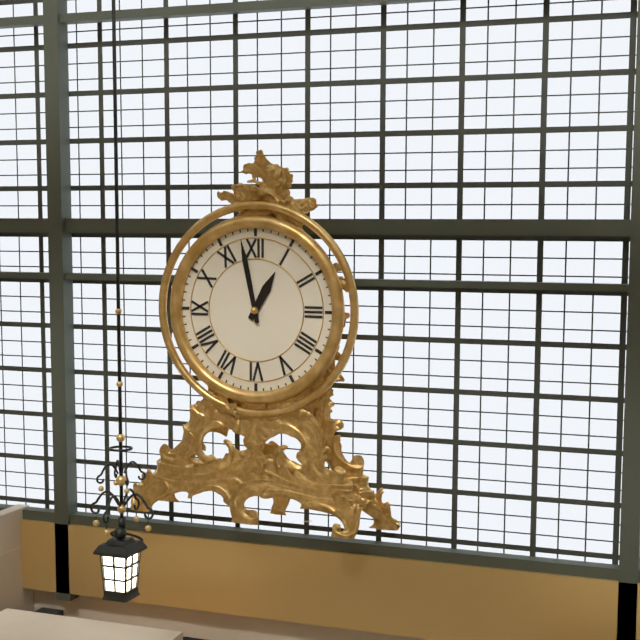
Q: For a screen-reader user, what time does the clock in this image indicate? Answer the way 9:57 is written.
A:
12:58
